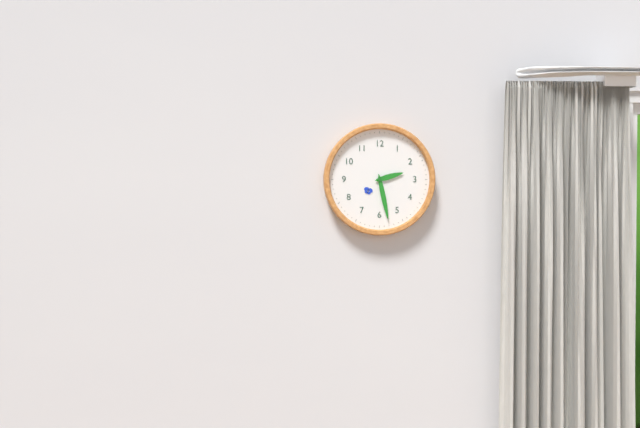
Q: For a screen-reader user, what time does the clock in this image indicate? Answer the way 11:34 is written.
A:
2:28
